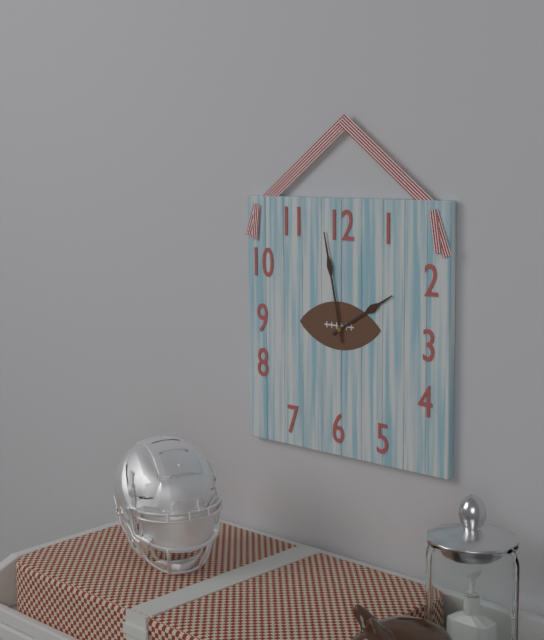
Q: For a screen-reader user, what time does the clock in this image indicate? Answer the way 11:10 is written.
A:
1:58
